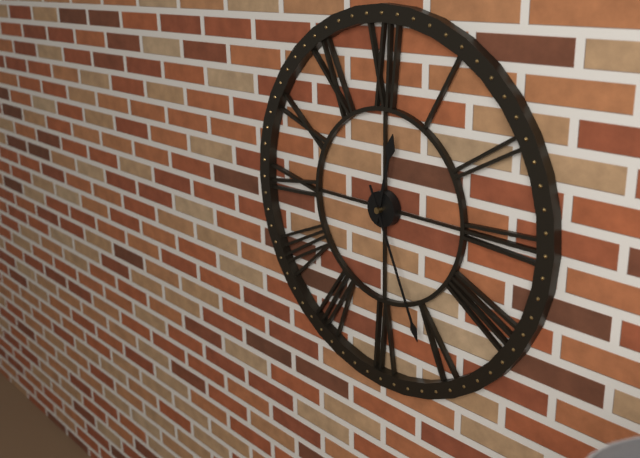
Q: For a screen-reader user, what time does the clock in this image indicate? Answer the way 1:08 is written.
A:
12:26
